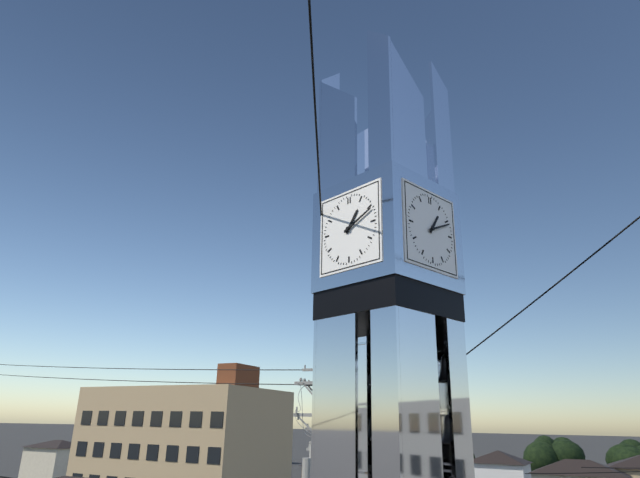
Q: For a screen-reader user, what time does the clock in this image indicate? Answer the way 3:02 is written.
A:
1:11
